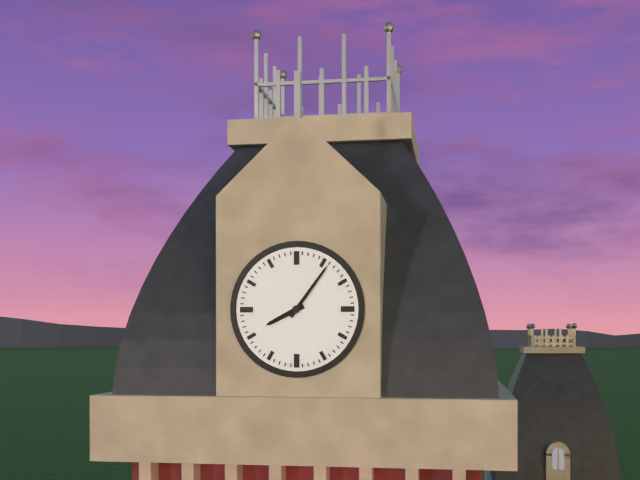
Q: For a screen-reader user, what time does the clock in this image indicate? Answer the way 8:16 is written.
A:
8:06
